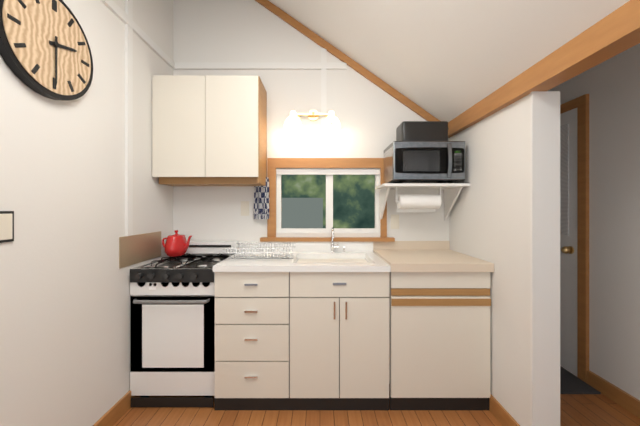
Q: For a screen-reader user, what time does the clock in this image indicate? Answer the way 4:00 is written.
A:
2:30
